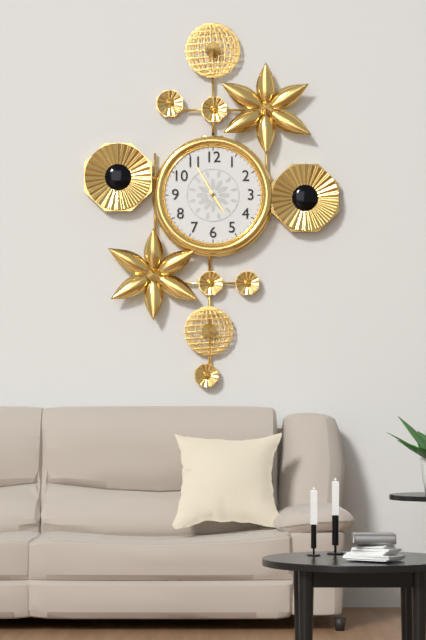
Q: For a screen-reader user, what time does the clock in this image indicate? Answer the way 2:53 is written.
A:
4:55
